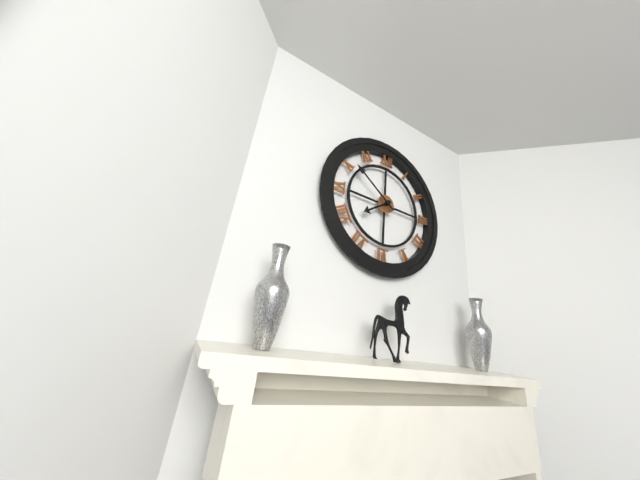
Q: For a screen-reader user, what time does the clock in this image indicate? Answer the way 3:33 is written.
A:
7:51
